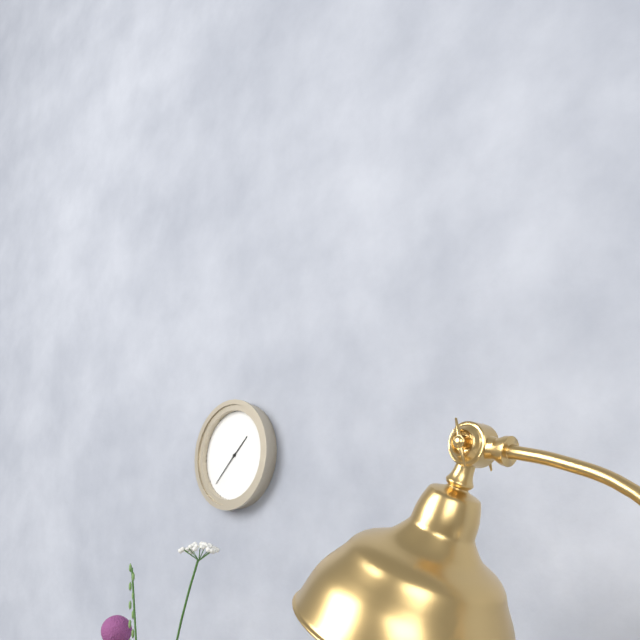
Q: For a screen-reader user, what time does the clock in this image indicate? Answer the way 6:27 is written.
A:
1:38
